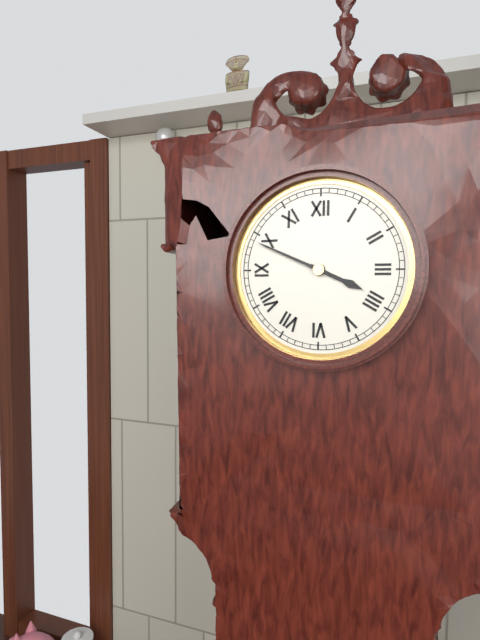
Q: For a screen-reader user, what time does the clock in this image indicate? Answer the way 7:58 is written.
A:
3:49
